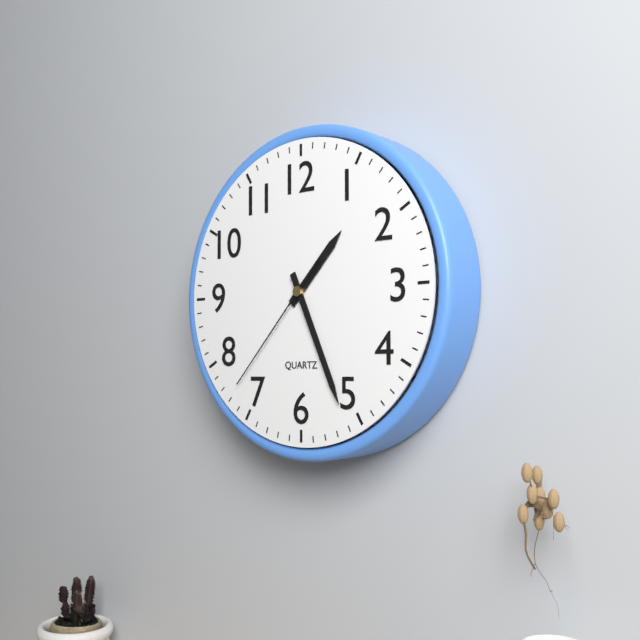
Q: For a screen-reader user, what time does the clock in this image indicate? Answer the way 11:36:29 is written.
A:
1:26:37
